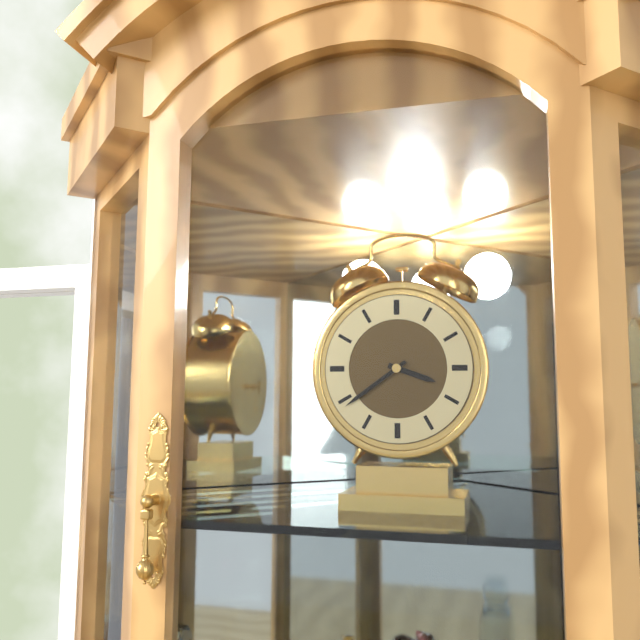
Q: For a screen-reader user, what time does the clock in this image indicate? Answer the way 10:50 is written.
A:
3:39
